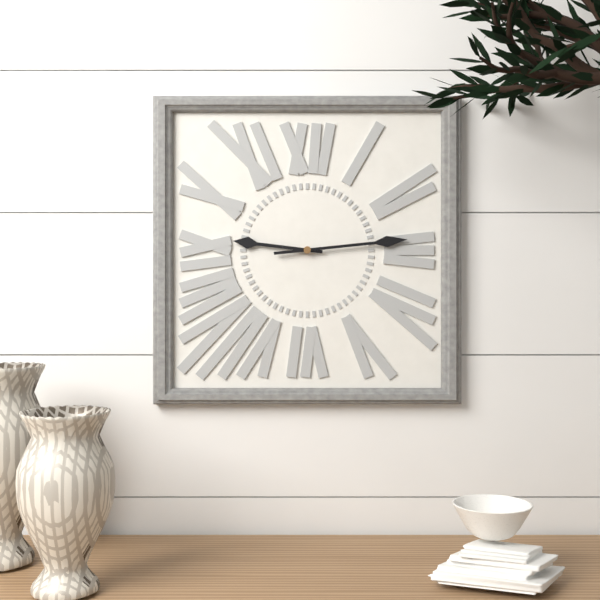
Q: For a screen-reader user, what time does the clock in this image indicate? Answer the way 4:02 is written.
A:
9:14
